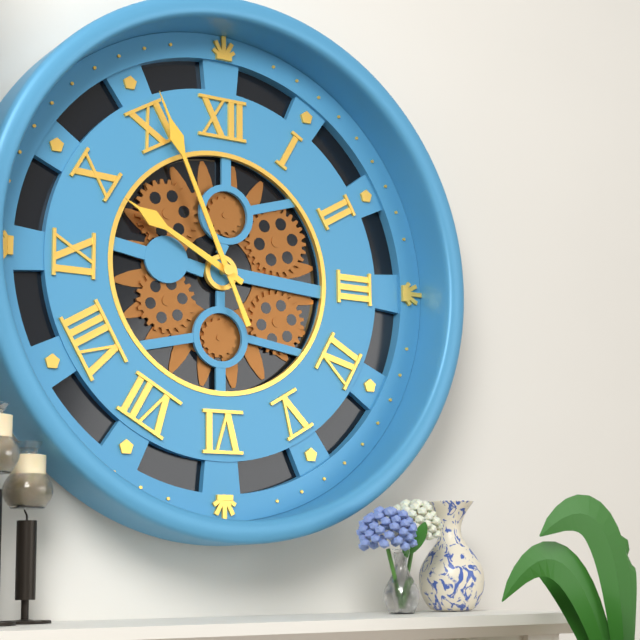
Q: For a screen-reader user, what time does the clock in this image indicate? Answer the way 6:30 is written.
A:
9:56
